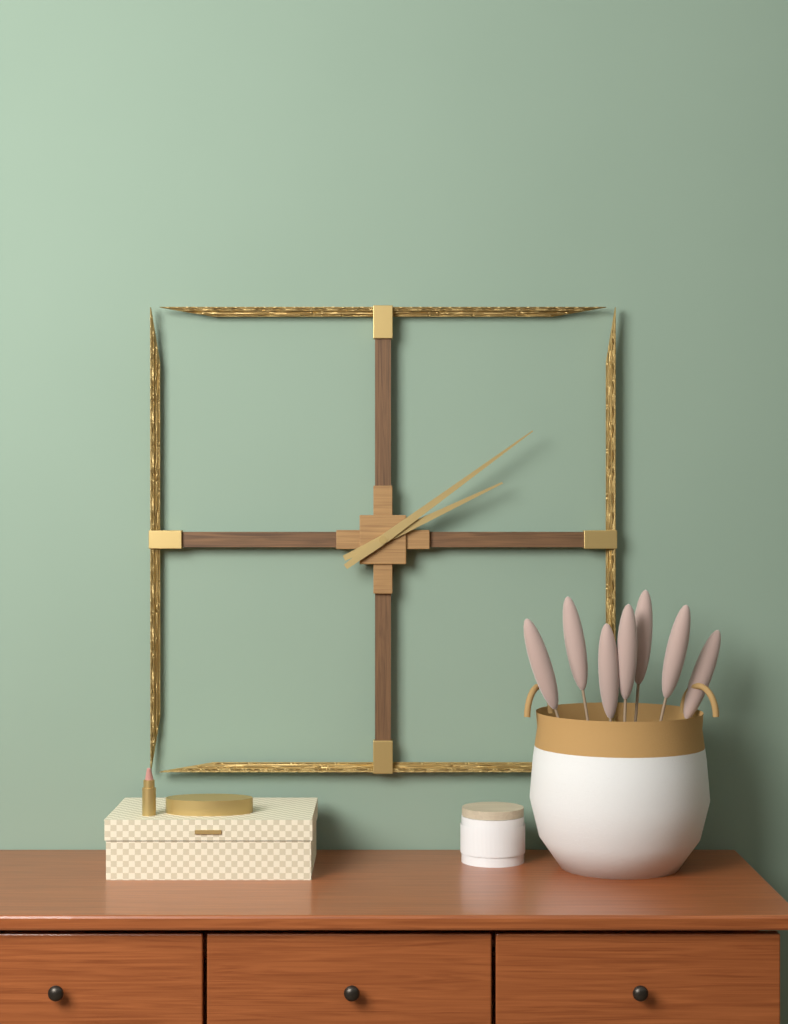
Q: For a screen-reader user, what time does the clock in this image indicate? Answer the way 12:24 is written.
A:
2:09
